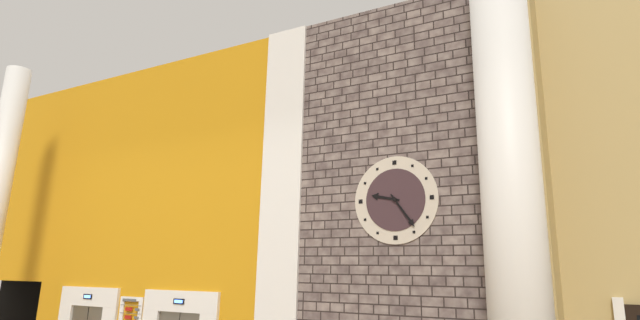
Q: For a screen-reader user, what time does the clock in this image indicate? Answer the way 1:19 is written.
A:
9:24
